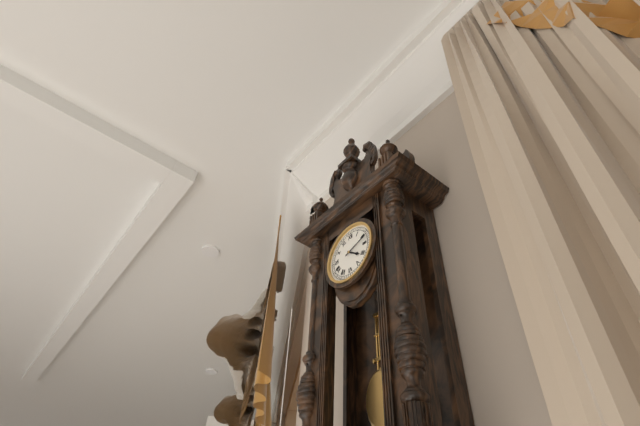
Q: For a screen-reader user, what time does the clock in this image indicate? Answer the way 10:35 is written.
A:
4:12
